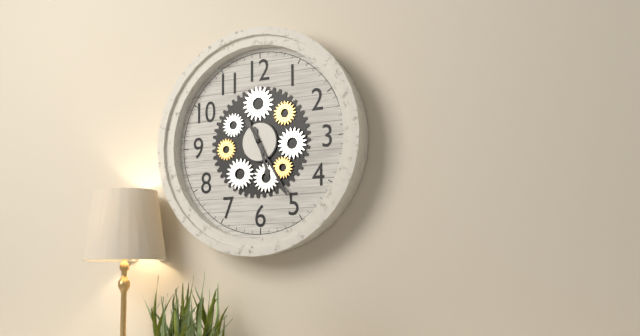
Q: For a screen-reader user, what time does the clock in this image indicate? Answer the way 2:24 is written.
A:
5:25
